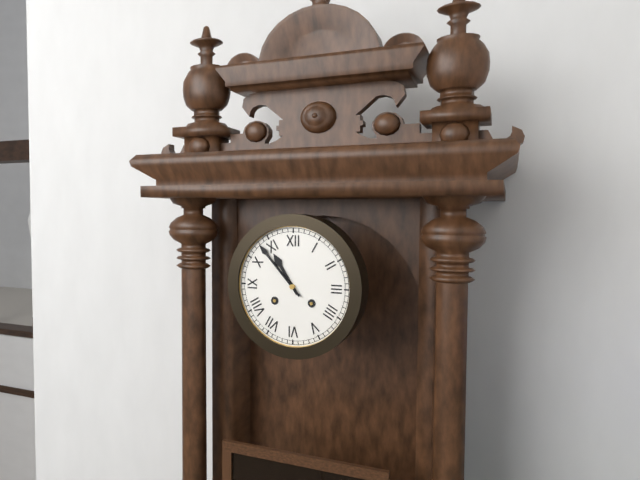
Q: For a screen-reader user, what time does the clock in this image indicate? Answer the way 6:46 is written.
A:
10:53
